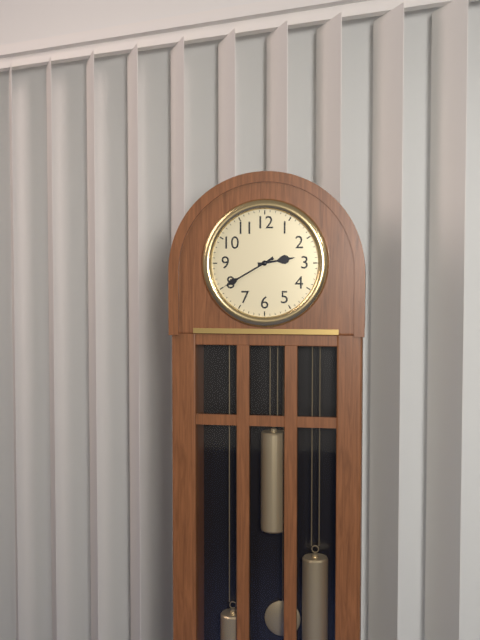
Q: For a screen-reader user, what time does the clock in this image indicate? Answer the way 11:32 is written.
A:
2:40
